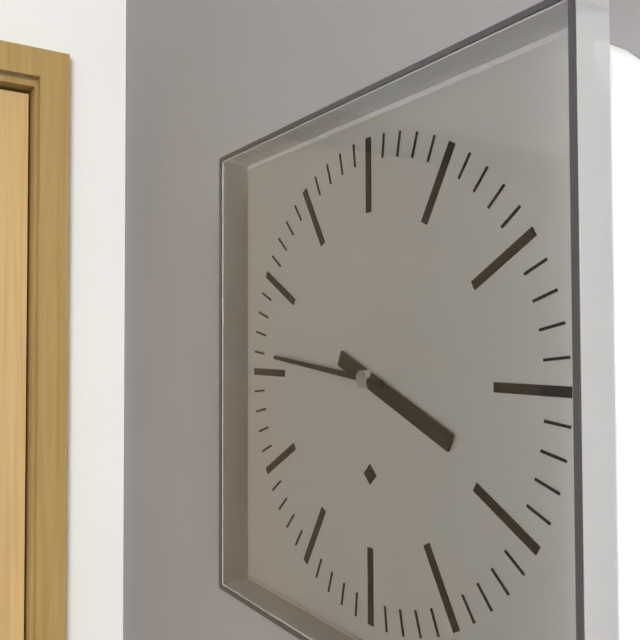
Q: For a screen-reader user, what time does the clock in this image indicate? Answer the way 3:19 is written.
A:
3:46
